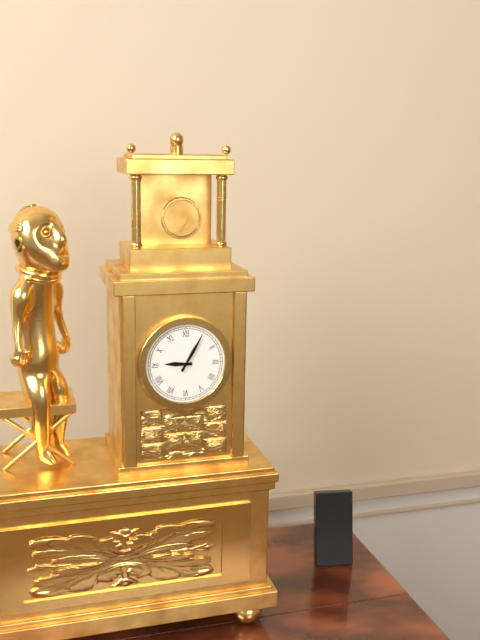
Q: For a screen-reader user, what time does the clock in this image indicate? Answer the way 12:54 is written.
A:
9:05
